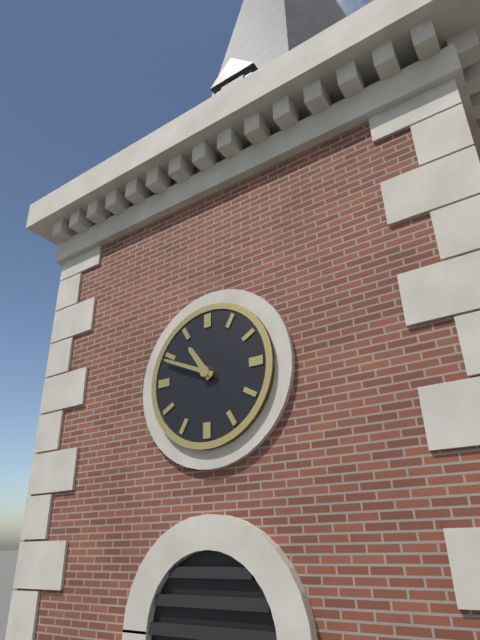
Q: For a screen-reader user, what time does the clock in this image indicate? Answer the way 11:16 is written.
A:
10:49
